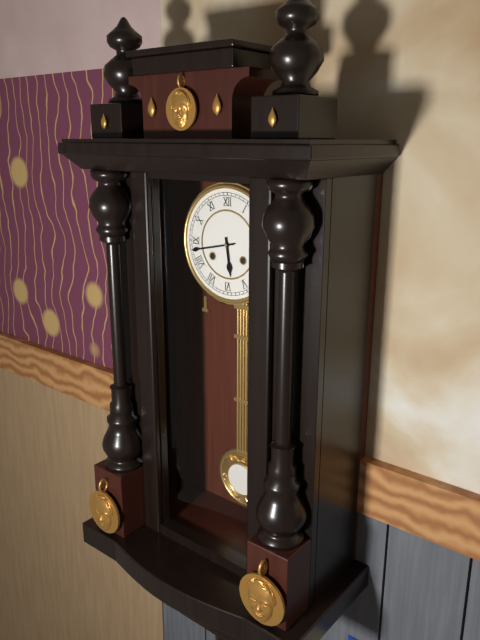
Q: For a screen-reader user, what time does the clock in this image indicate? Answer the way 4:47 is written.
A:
5:43
